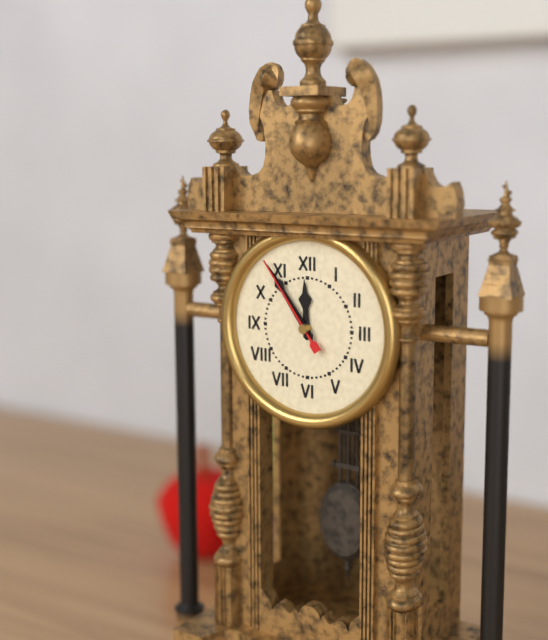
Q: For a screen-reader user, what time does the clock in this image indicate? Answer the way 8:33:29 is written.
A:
11:54:54
